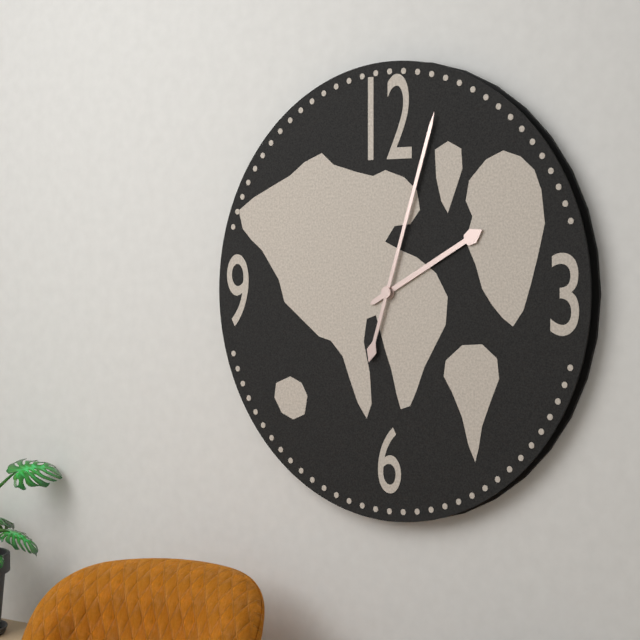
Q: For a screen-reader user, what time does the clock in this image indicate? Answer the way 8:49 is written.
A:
2:03
